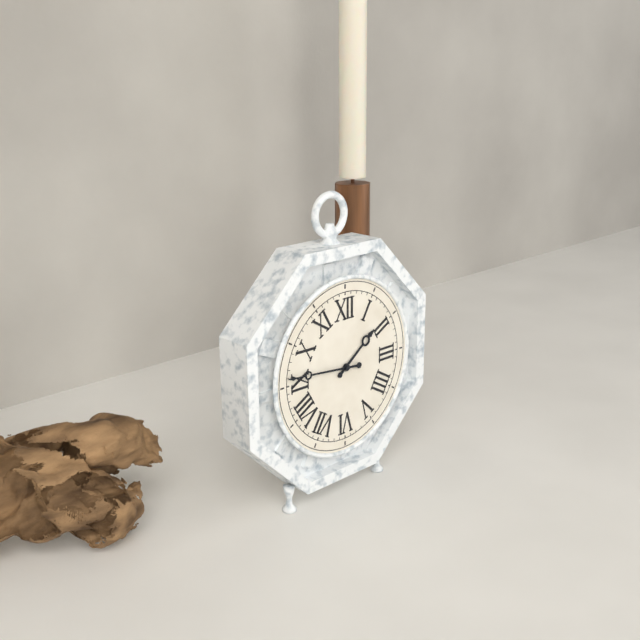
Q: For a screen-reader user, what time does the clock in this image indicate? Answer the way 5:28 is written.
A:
1:46
